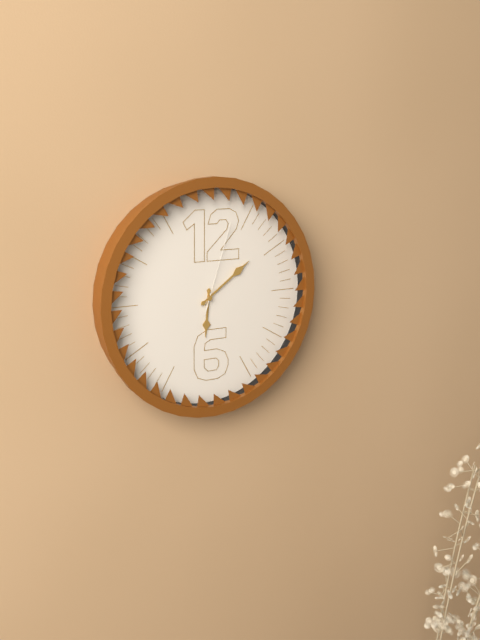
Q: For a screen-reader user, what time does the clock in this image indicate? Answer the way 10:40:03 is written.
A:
6:09:03
